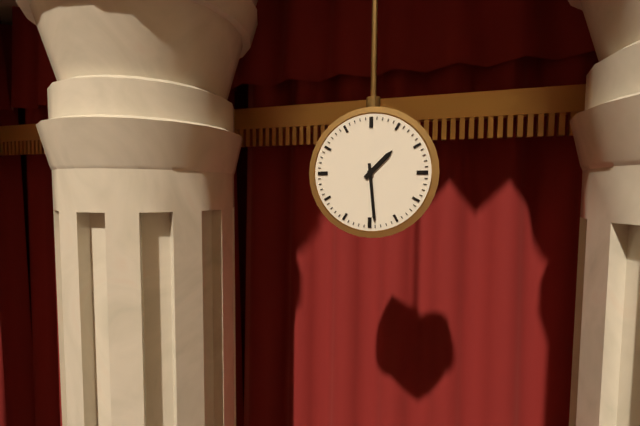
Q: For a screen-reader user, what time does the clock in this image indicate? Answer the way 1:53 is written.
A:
1:29
